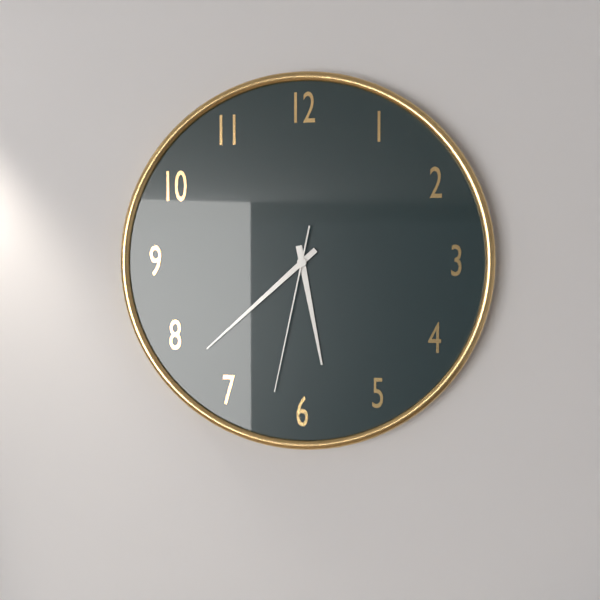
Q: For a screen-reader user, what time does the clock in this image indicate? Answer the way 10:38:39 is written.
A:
5:38:32
